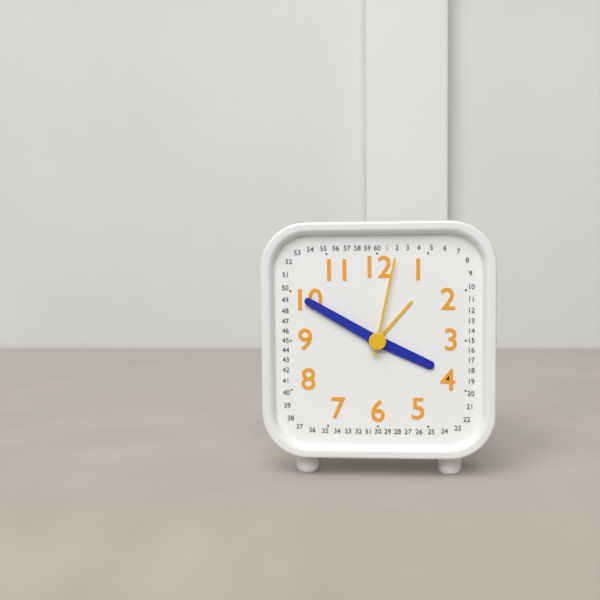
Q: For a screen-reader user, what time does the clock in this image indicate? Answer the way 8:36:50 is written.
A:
3:50:02
